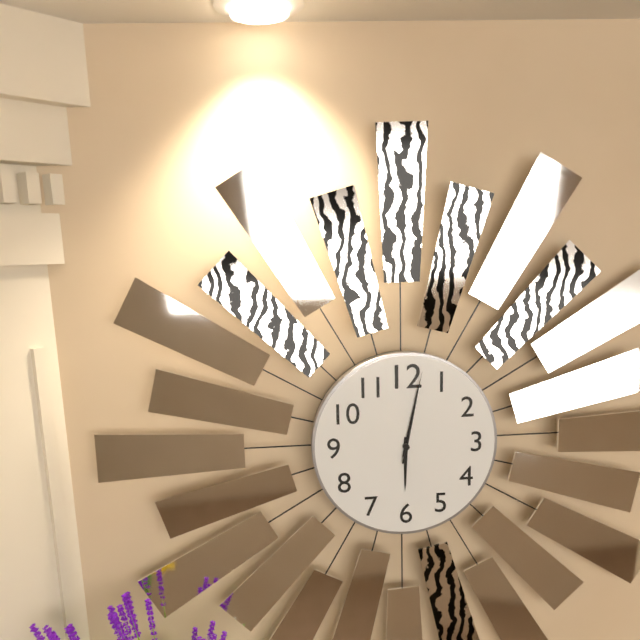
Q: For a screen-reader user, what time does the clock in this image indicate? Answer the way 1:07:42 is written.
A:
6:02:02
